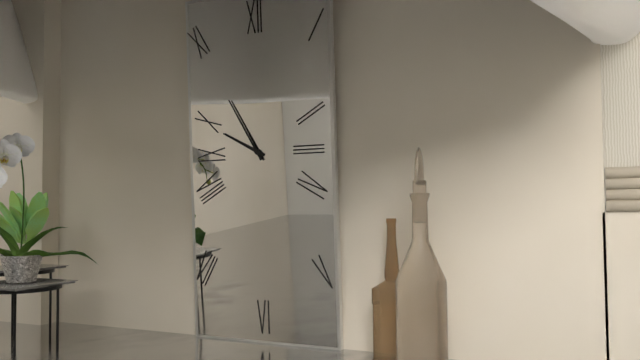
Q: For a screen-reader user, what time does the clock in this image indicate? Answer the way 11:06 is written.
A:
9:55
